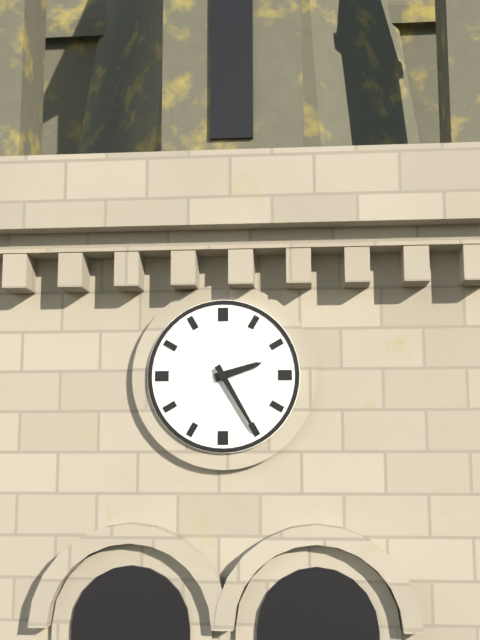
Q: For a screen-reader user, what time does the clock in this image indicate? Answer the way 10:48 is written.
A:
2:25
